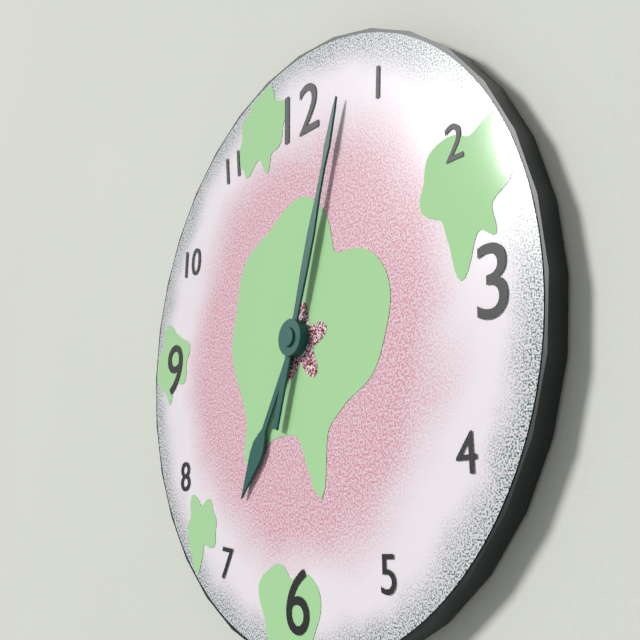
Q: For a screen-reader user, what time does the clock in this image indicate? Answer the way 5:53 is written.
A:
7:03
